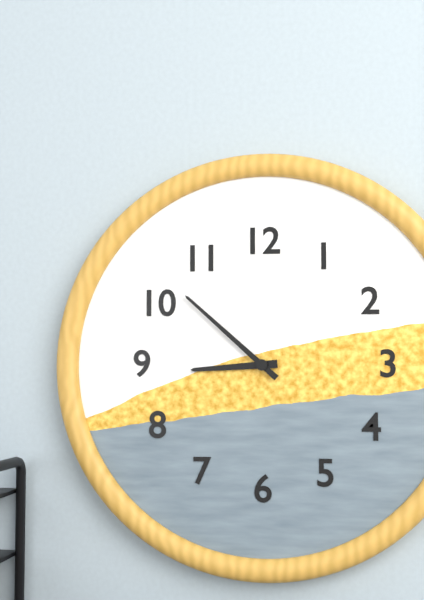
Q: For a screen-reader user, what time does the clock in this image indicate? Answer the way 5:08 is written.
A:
8:52
